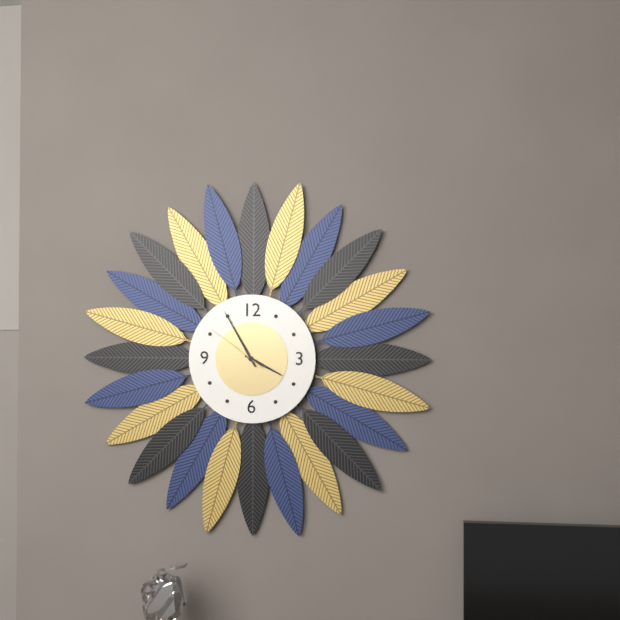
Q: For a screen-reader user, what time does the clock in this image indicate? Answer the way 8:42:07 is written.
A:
3:55:51
